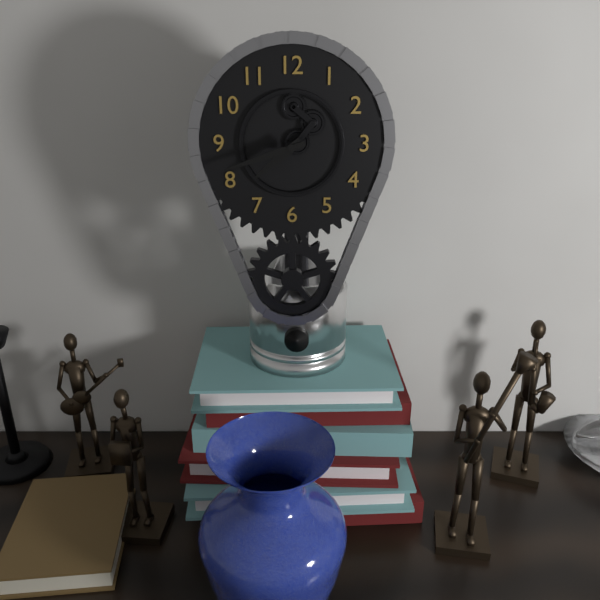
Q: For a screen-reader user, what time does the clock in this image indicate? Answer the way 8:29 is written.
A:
7:42
